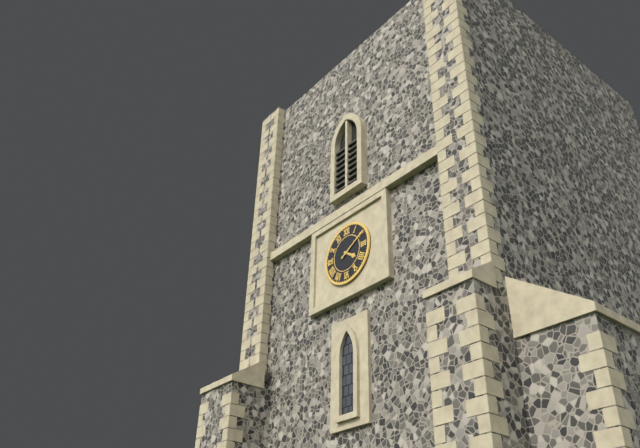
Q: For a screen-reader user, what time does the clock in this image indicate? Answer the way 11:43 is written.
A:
4:10
